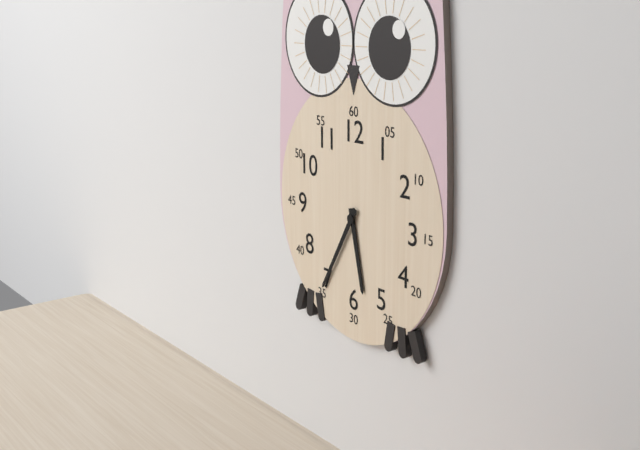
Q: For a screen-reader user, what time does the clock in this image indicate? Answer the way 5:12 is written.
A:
5:35
